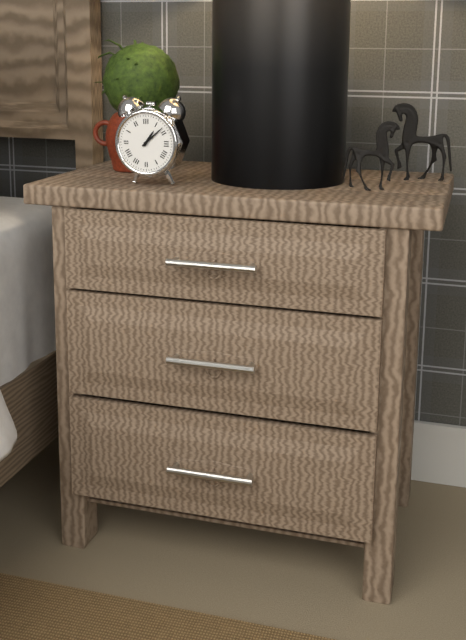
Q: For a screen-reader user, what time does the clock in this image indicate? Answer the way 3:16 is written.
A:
1:08
